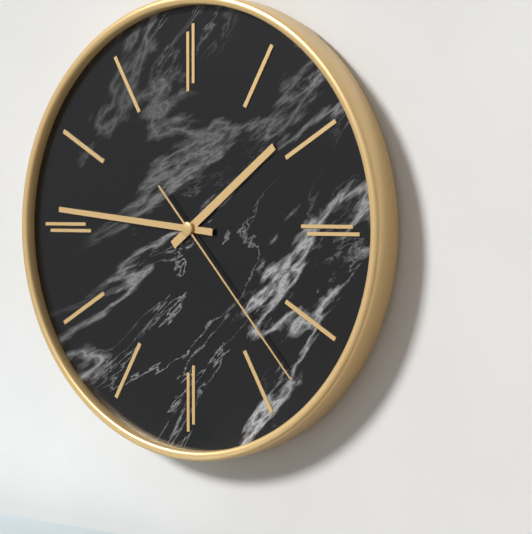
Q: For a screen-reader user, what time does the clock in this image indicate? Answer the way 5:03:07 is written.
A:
1:46:23
